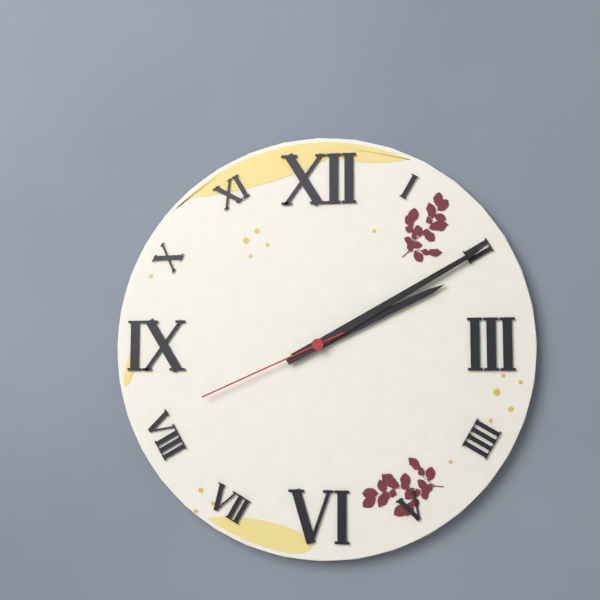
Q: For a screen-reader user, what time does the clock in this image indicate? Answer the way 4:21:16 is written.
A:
2:10:41
